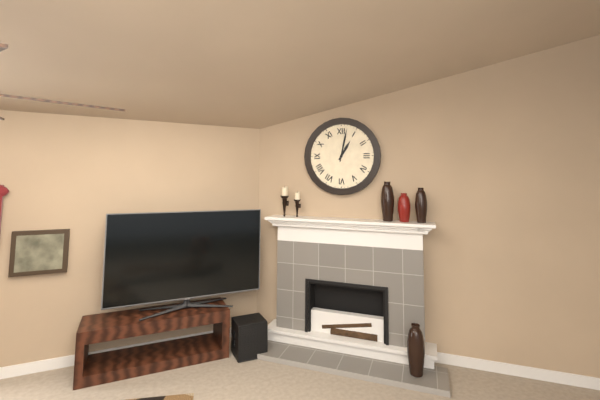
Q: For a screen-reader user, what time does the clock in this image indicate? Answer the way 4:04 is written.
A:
1:02
